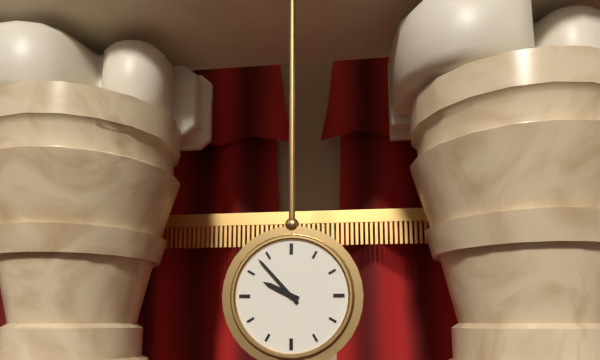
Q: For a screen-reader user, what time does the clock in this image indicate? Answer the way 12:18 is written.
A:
9:53
